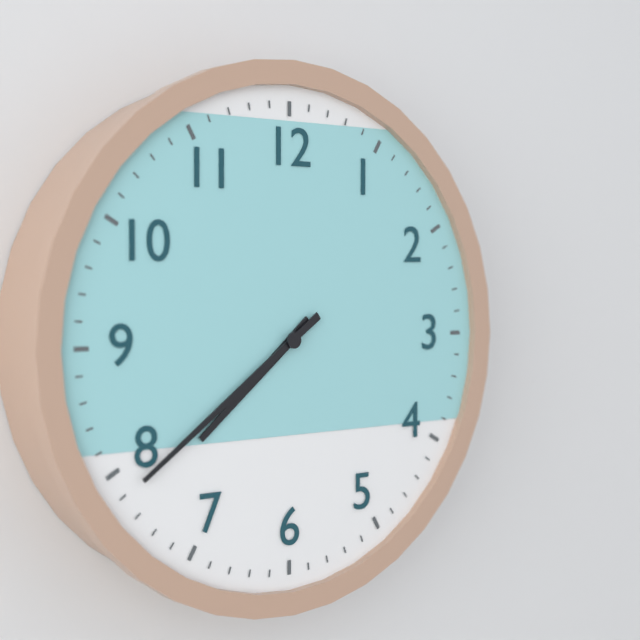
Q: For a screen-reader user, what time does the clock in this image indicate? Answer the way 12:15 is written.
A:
7:39
